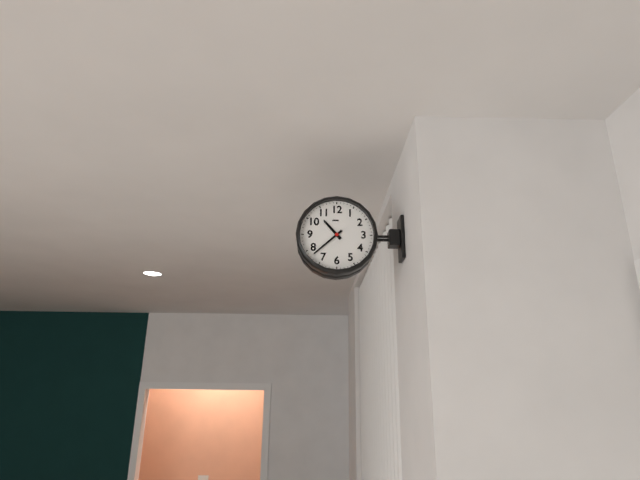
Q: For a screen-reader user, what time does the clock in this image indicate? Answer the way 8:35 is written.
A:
10:38
